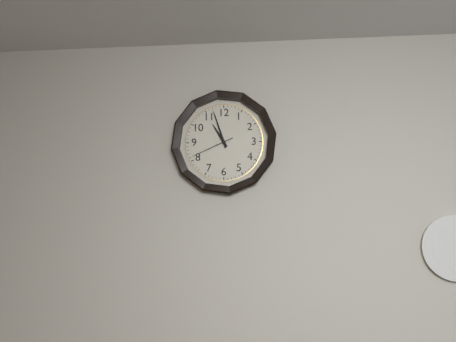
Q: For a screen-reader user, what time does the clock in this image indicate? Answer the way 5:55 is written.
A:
10:57
